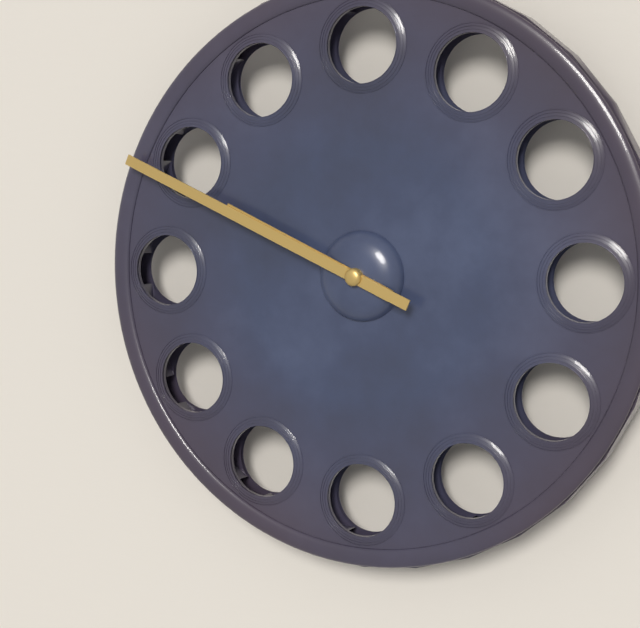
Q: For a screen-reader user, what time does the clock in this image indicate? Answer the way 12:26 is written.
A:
9:49
